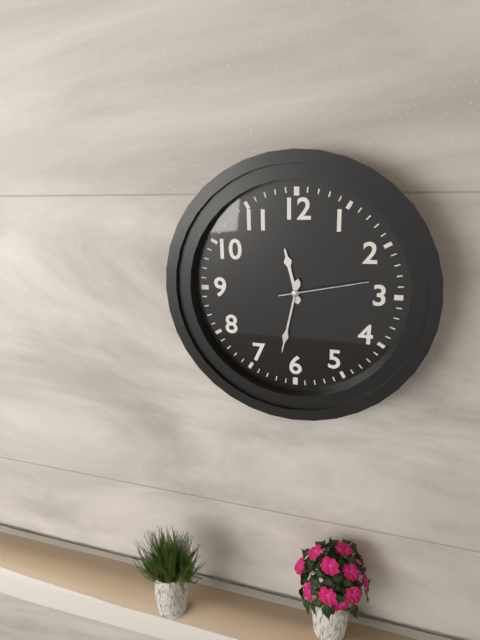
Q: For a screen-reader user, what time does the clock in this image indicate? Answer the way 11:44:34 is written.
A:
11:32:13
